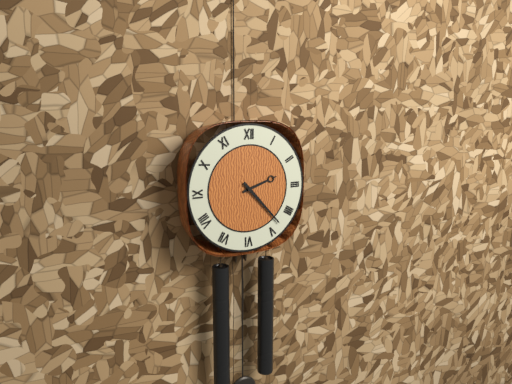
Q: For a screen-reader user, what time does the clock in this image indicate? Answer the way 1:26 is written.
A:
2:23
